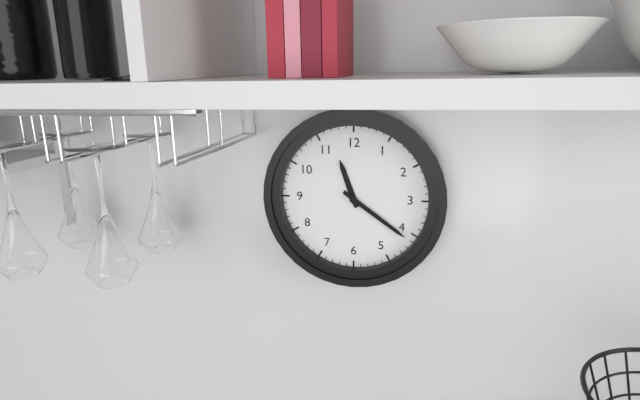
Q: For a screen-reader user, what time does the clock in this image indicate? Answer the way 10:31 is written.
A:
11:21
